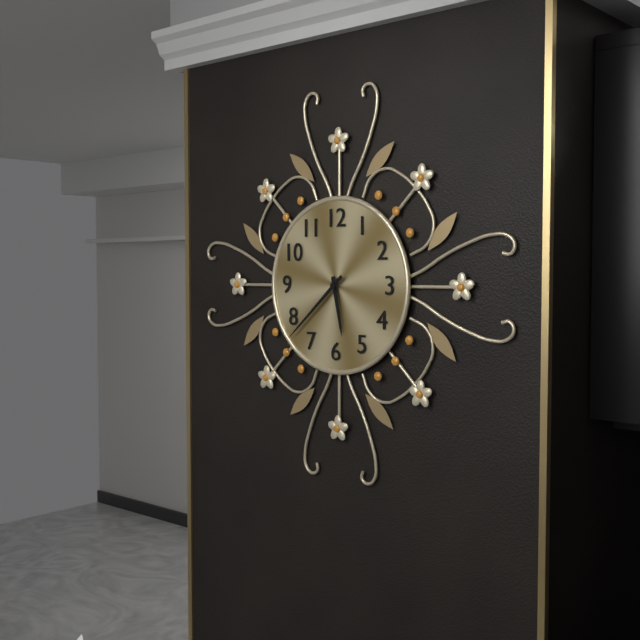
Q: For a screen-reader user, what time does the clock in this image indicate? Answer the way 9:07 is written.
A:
5:38
